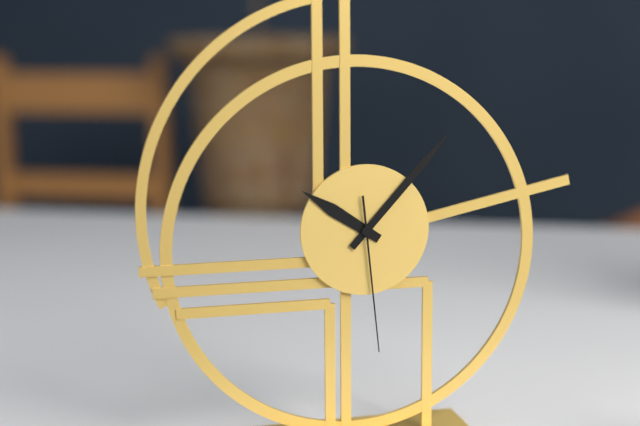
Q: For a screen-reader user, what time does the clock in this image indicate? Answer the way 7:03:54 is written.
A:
10:07:29
